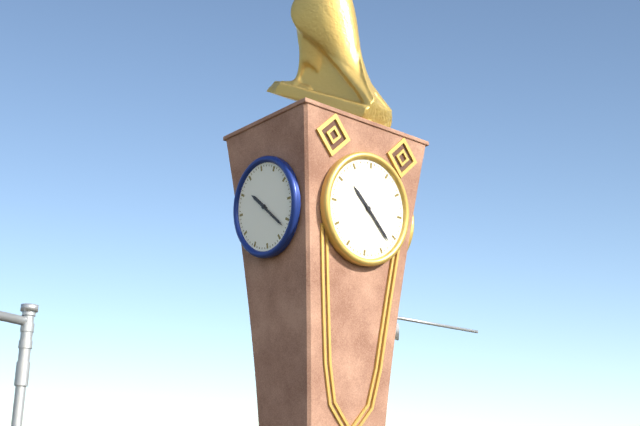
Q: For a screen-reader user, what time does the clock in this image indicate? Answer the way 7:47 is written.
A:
10:22
